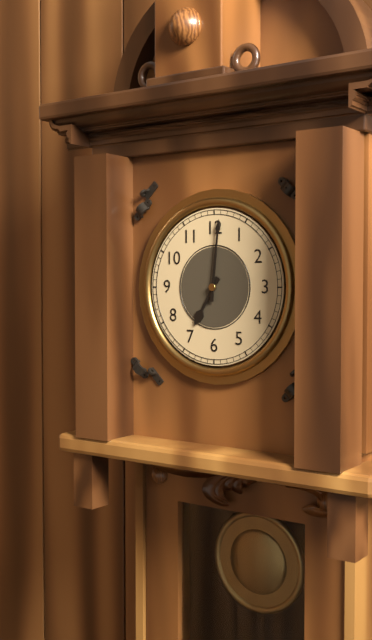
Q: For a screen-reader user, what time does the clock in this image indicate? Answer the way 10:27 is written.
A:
7:01
